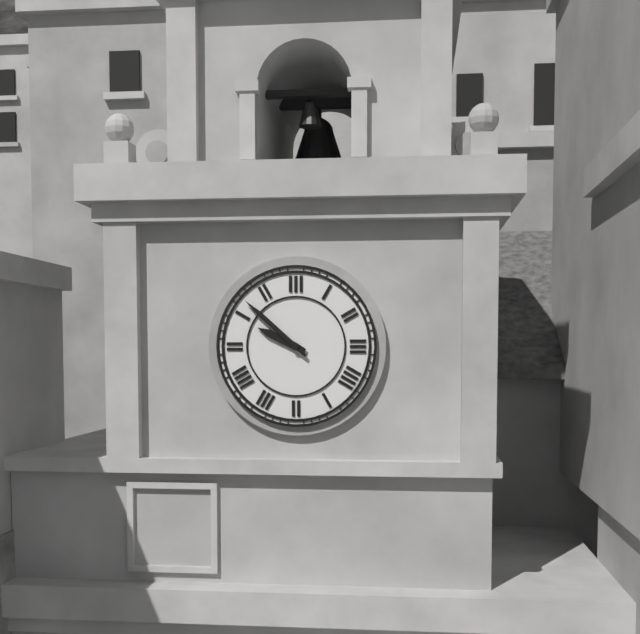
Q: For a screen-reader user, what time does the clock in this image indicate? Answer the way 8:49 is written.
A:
9:52
